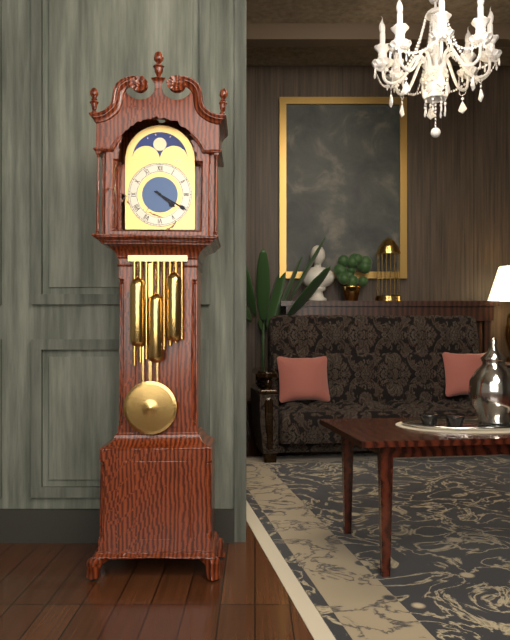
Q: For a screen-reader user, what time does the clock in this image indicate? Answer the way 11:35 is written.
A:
4:20
